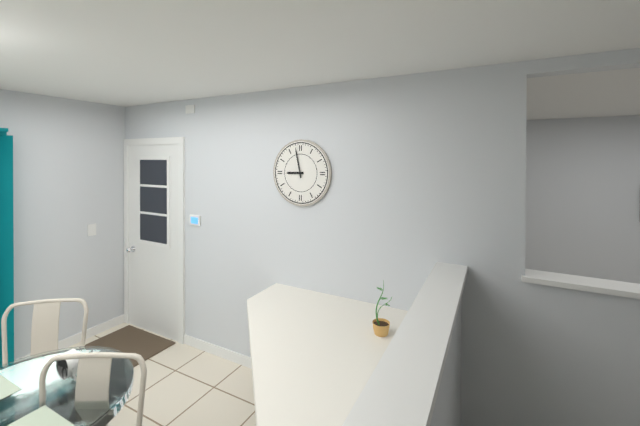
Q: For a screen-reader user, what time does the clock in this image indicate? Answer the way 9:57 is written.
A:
8:58
